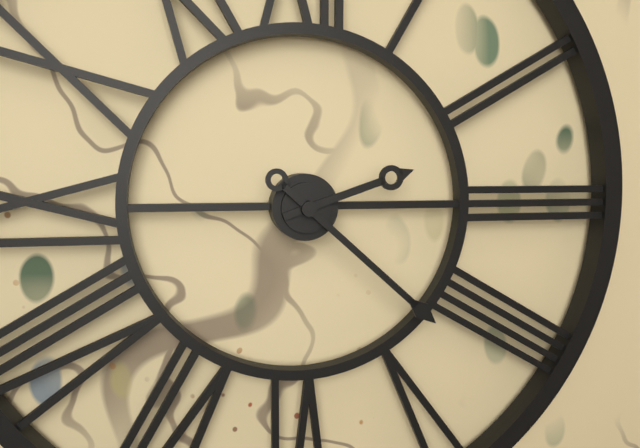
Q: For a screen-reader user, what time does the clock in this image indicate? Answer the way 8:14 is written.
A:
2:22
